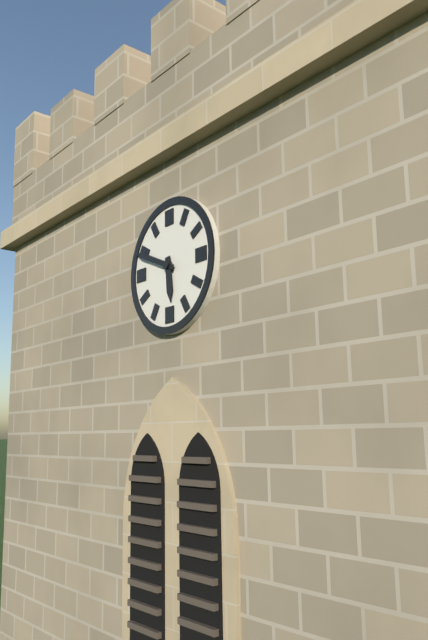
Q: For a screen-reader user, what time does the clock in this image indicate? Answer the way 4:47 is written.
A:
5:49
